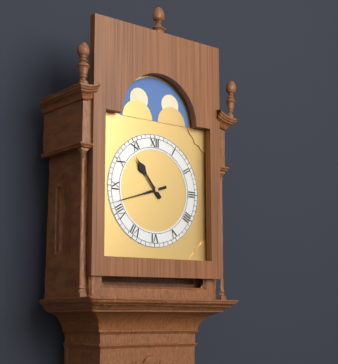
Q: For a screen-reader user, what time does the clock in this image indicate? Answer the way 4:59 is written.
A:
10:42
